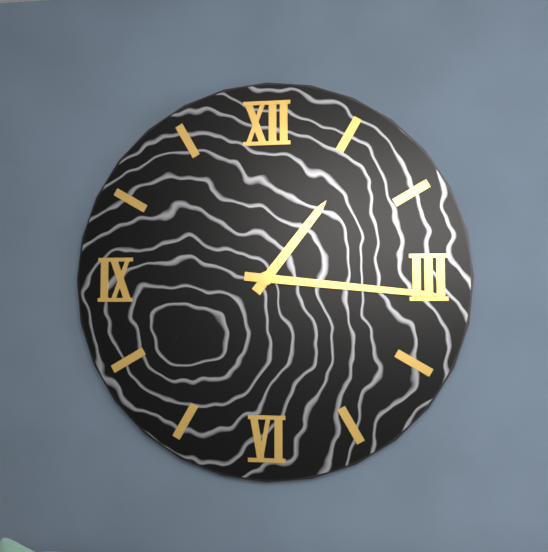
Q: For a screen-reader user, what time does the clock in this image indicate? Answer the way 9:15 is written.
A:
1:16
